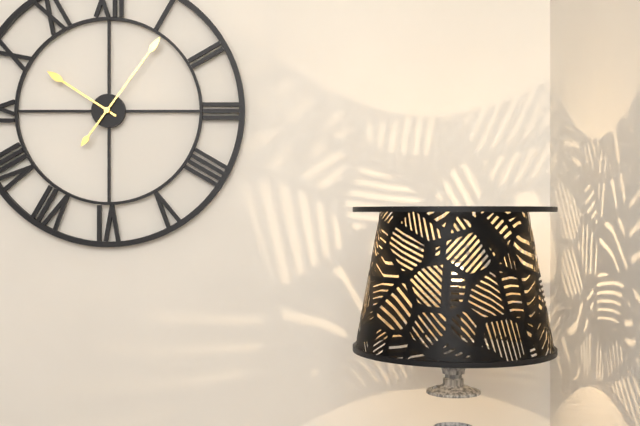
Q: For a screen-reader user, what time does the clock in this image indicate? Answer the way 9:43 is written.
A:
10:06
